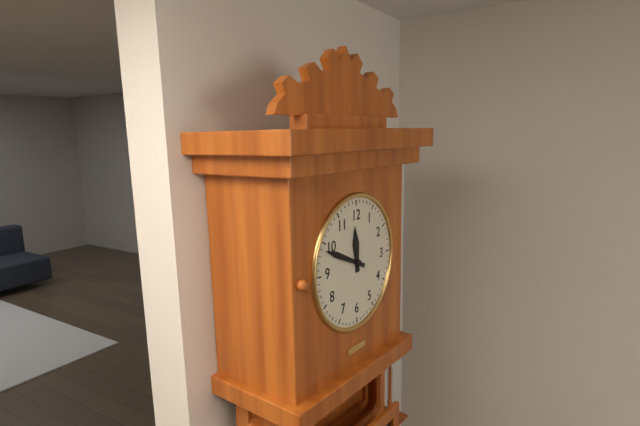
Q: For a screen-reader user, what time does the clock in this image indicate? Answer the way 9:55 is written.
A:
11:49
